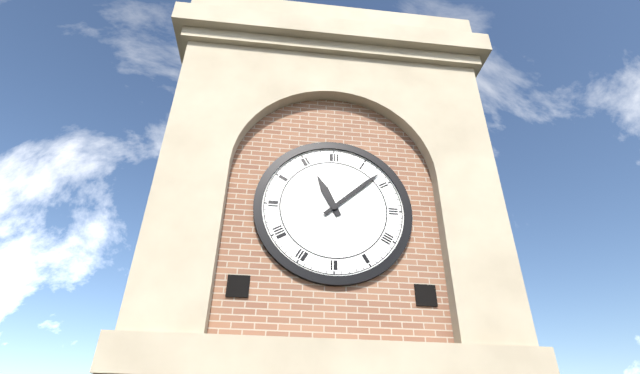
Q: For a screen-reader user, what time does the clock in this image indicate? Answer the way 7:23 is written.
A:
11:08
